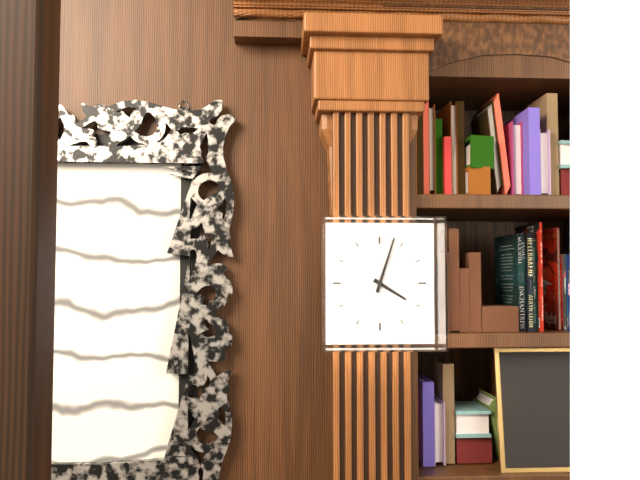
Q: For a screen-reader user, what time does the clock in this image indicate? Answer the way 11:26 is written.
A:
4:03
